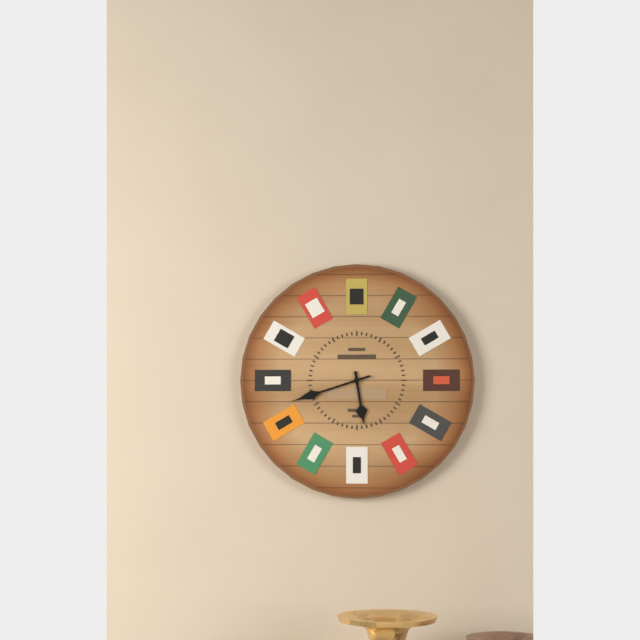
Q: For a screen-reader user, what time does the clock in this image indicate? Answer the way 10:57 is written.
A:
5:42
